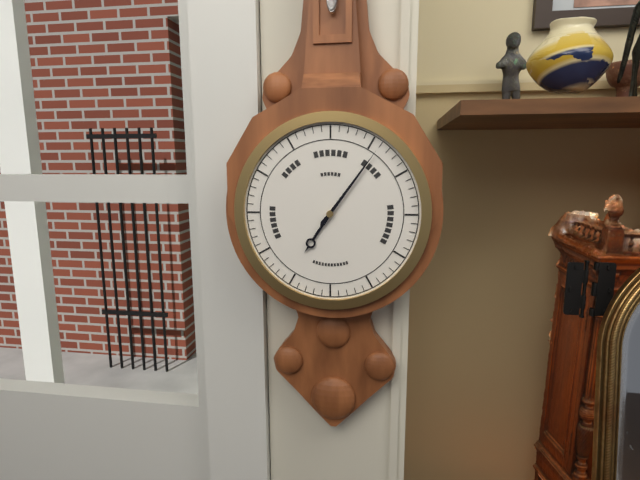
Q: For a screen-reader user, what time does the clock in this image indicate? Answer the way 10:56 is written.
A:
7:06
